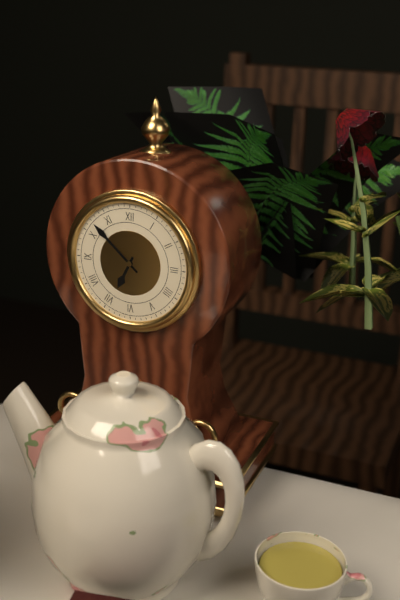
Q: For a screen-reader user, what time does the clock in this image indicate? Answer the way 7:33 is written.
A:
6:52
